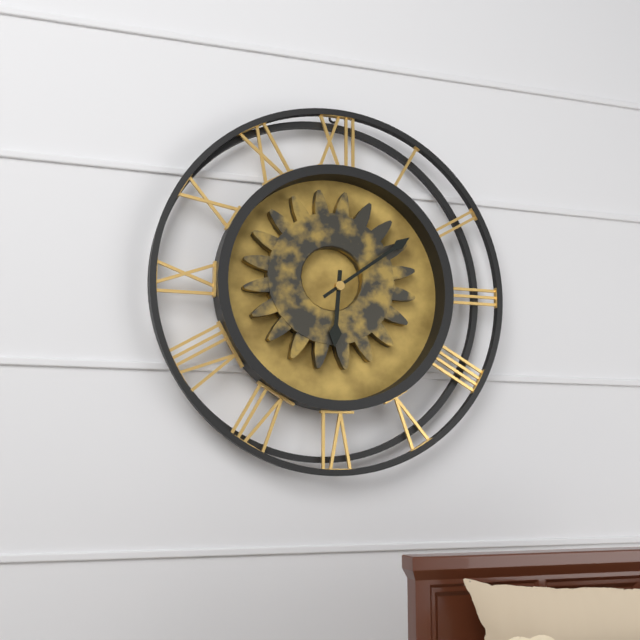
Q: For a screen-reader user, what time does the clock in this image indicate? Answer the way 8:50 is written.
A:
6:09
